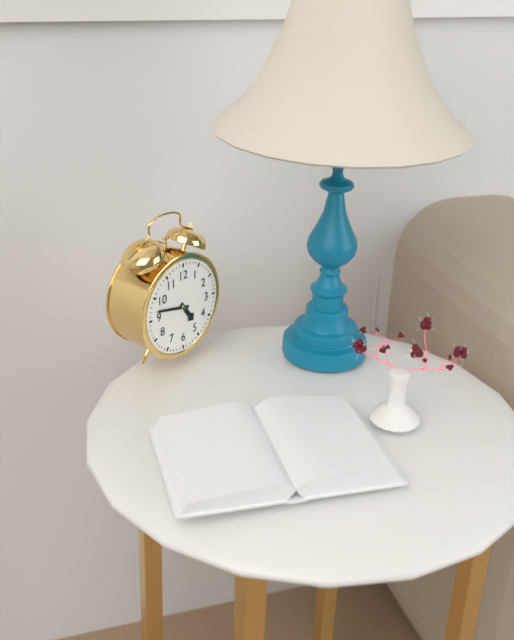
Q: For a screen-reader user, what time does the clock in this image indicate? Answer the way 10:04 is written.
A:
4:47
